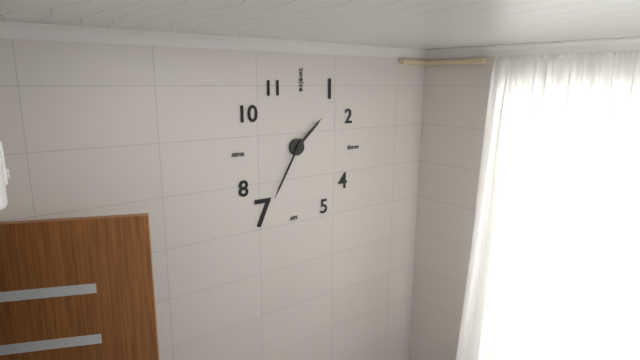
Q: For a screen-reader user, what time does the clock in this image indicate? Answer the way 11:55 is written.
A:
1:35
